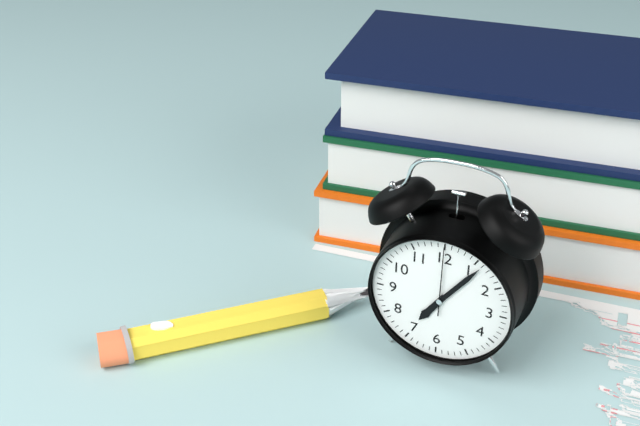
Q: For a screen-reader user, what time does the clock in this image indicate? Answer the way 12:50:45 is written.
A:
7:06:00
